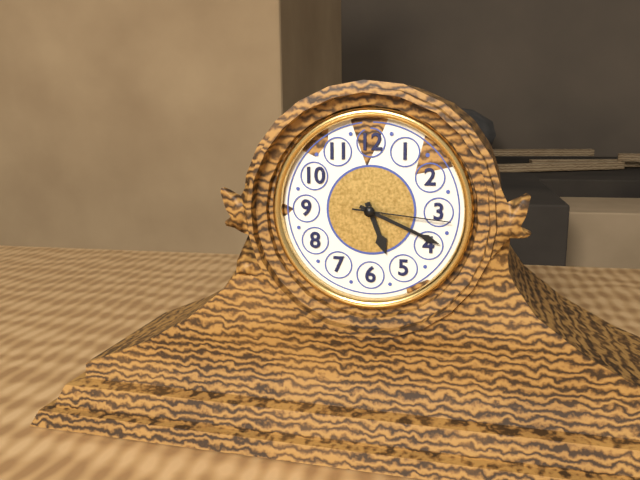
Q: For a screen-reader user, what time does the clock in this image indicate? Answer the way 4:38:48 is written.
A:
5:19:16
